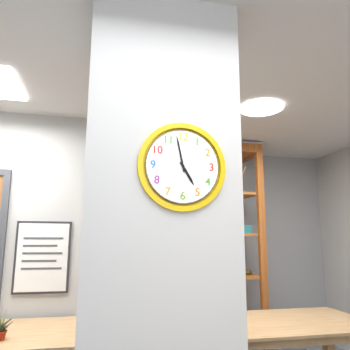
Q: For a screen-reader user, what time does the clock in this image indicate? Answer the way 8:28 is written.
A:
4:58
